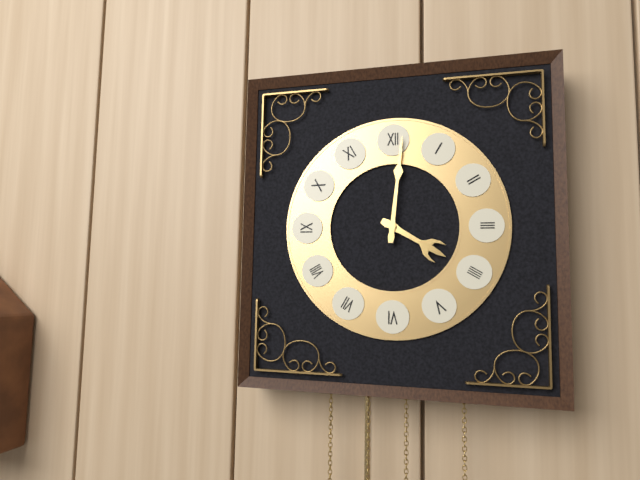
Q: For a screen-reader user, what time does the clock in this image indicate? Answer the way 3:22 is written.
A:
4:01
